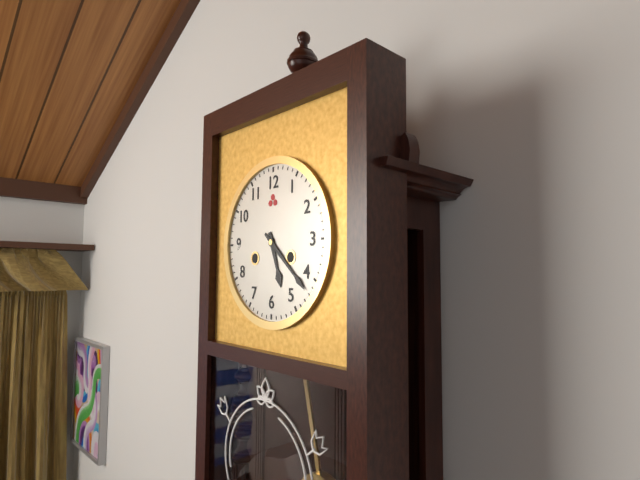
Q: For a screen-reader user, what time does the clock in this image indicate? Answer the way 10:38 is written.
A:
5:22
